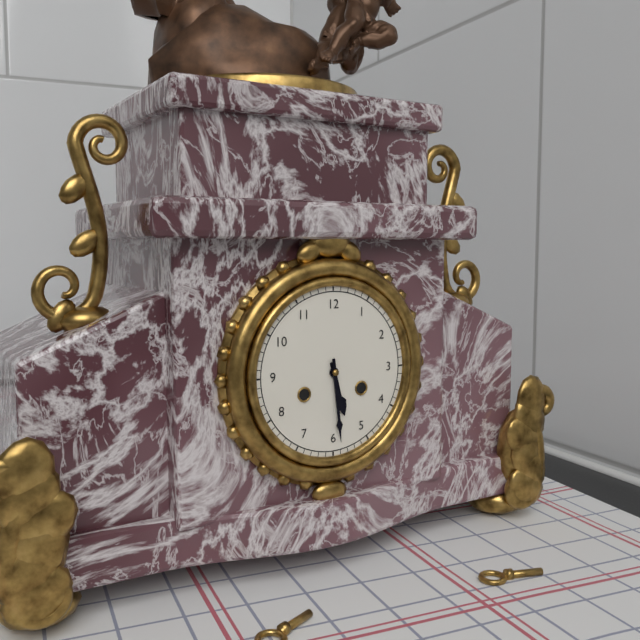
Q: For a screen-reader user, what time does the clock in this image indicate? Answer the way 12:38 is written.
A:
5:29
